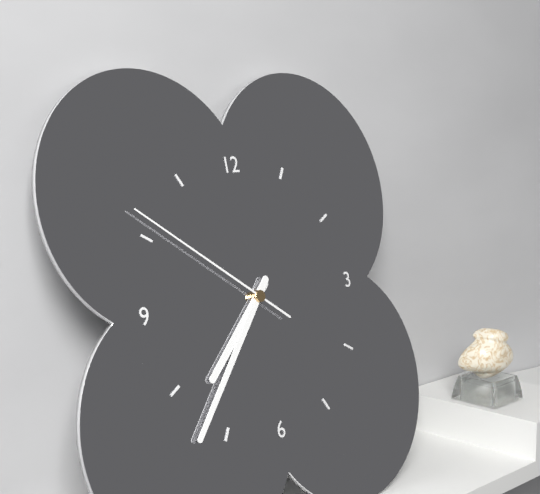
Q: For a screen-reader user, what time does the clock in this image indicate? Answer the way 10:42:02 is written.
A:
7:37:51
